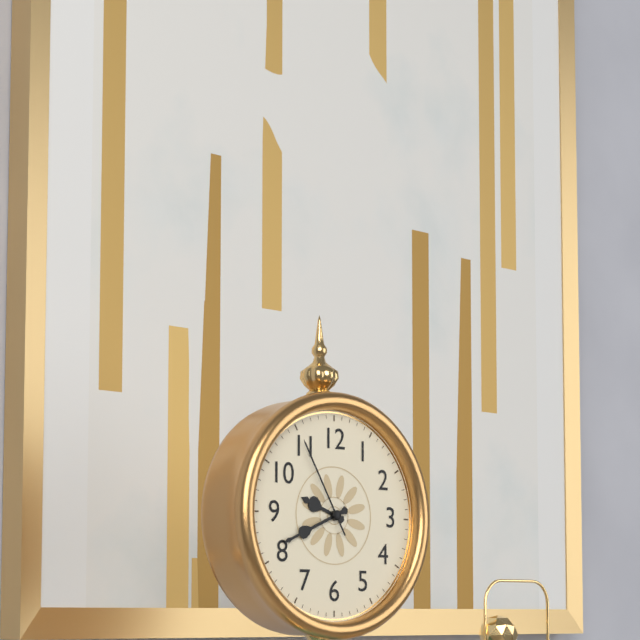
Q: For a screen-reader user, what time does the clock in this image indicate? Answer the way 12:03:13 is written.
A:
9:41:55
